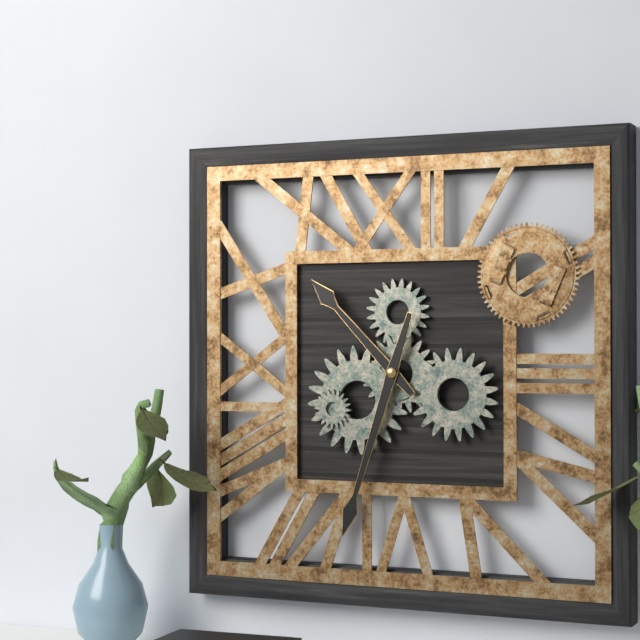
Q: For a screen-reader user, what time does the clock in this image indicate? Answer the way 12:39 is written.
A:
10:33
